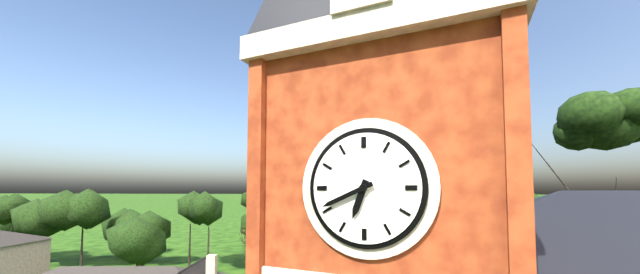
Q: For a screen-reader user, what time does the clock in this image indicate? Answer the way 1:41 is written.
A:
6:41
